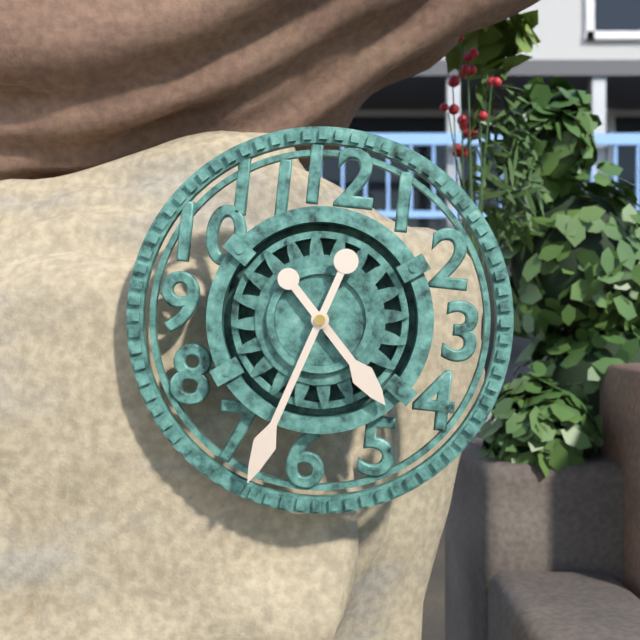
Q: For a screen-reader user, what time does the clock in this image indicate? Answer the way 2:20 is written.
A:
4:33
